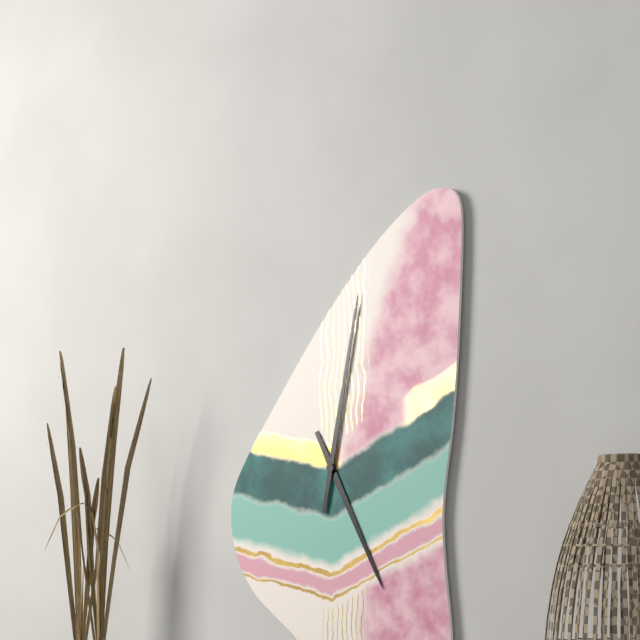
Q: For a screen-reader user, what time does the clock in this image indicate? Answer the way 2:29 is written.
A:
5:02
